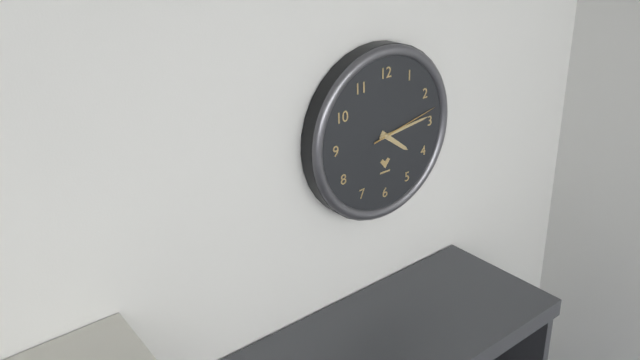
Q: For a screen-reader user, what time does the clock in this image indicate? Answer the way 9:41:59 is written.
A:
4:14:13
